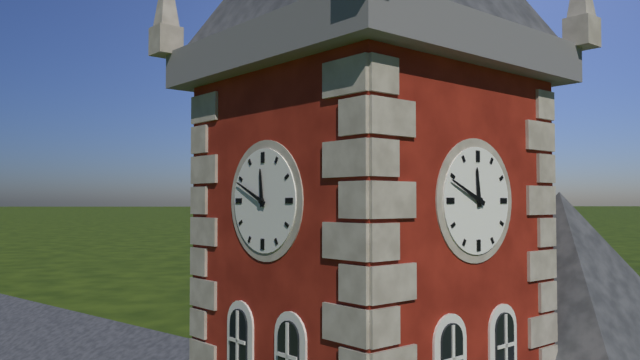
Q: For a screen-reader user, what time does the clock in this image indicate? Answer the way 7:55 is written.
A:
11:49
